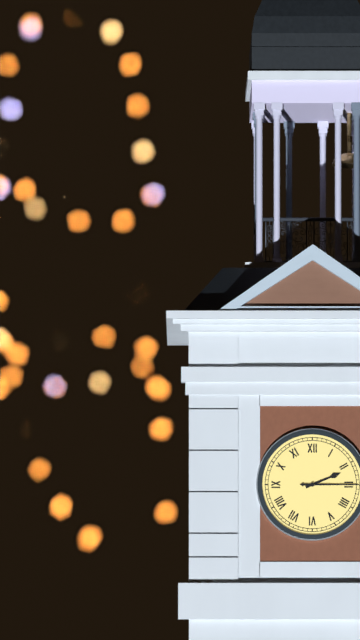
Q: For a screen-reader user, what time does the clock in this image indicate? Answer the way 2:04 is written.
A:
2:15
